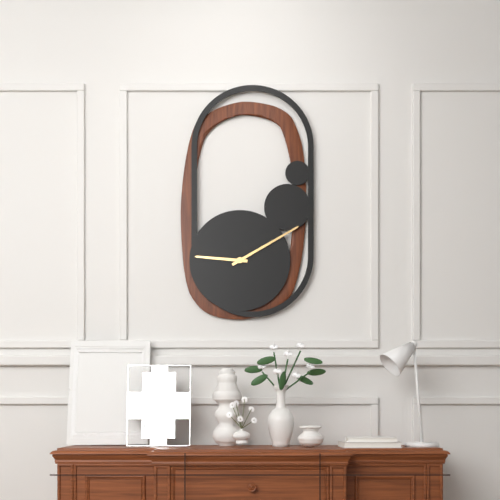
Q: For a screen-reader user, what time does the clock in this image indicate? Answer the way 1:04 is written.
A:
9:10
